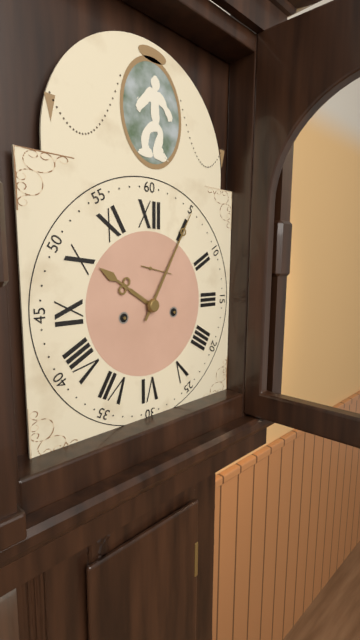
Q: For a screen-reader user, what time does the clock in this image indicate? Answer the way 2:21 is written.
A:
10:05
